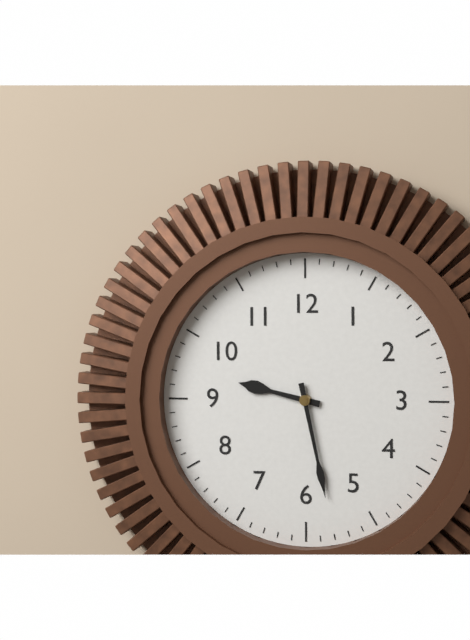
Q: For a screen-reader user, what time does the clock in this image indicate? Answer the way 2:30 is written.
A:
9:28
